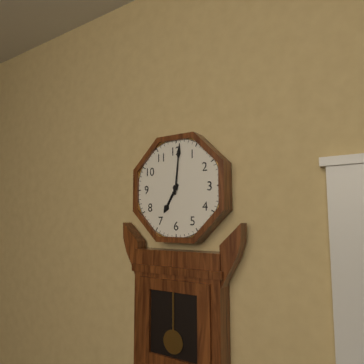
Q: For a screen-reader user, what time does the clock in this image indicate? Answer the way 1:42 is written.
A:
7:01
